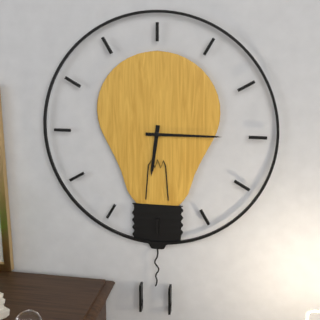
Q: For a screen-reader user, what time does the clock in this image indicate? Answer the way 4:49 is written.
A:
6:15
